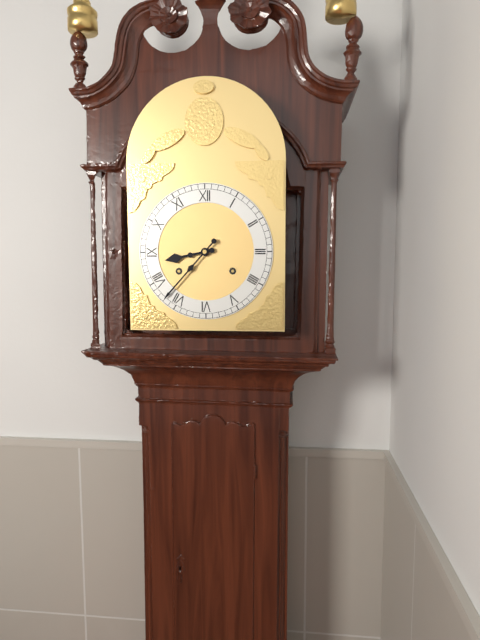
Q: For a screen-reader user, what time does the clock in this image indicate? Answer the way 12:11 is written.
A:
8:37
